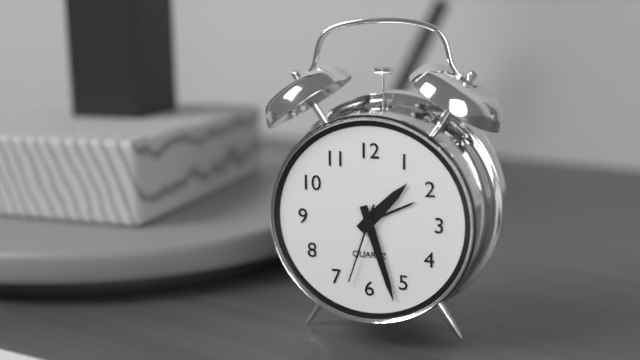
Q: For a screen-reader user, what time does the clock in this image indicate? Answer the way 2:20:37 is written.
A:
1:27:33
